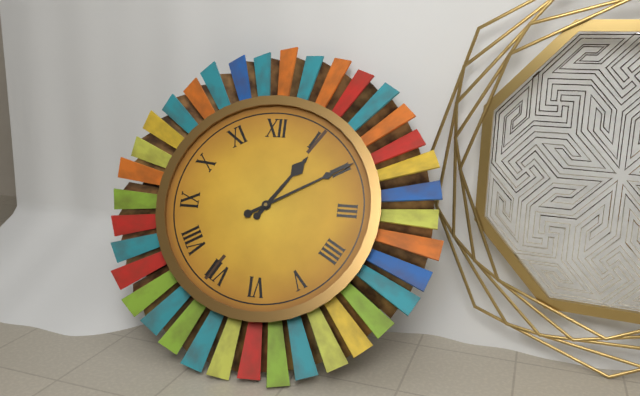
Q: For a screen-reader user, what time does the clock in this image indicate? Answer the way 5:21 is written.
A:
1:10
